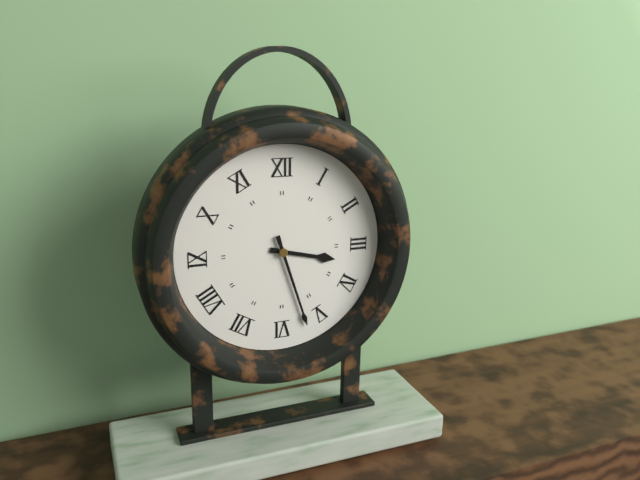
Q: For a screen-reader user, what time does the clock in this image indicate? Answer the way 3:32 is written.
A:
3:27
